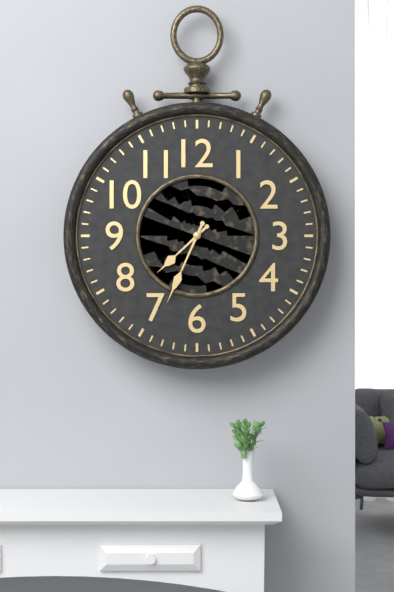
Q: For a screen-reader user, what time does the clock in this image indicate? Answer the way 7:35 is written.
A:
7:34
